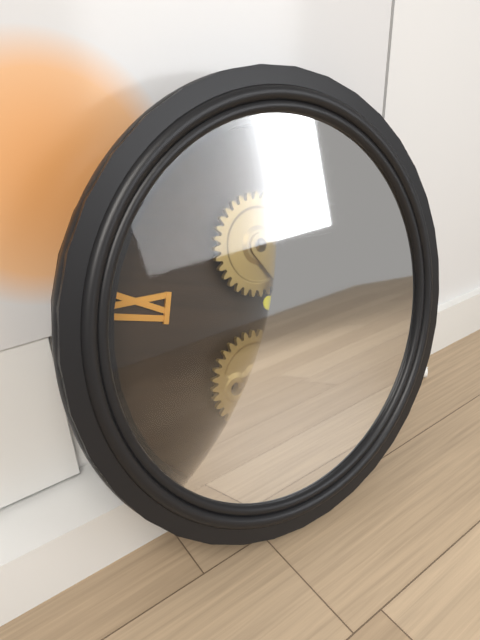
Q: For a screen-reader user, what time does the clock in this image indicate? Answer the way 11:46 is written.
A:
5:19
